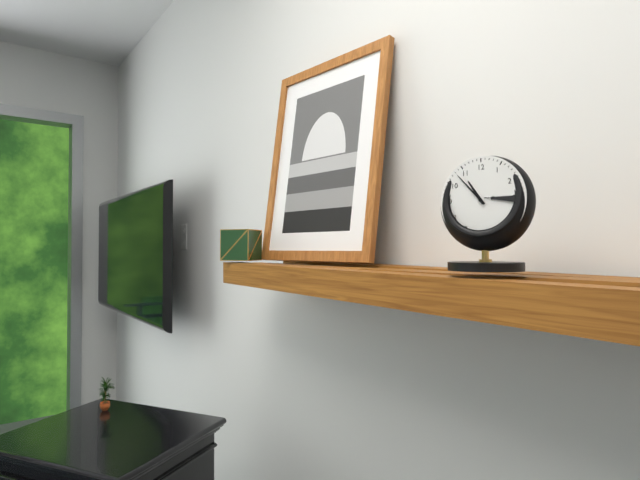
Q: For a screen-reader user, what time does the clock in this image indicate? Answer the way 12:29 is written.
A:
10:53
